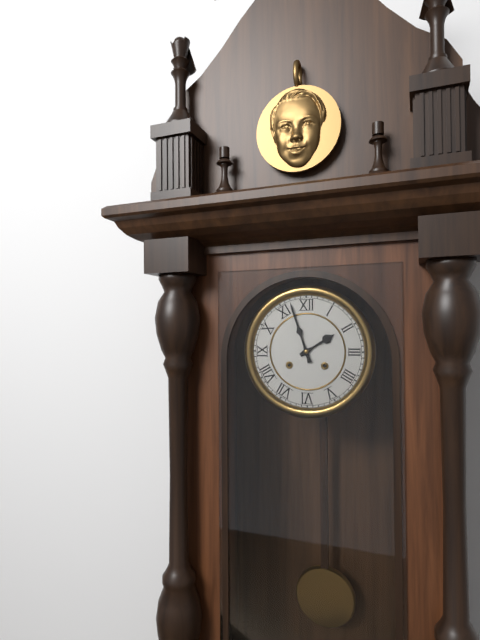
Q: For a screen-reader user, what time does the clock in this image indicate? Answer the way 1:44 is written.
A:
1:57
